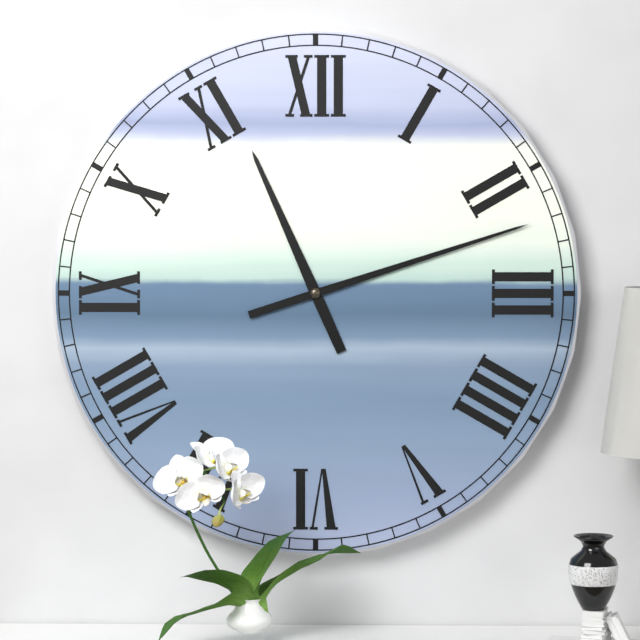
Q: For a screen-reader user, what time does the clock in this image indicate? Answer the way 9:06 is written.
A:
11:12
